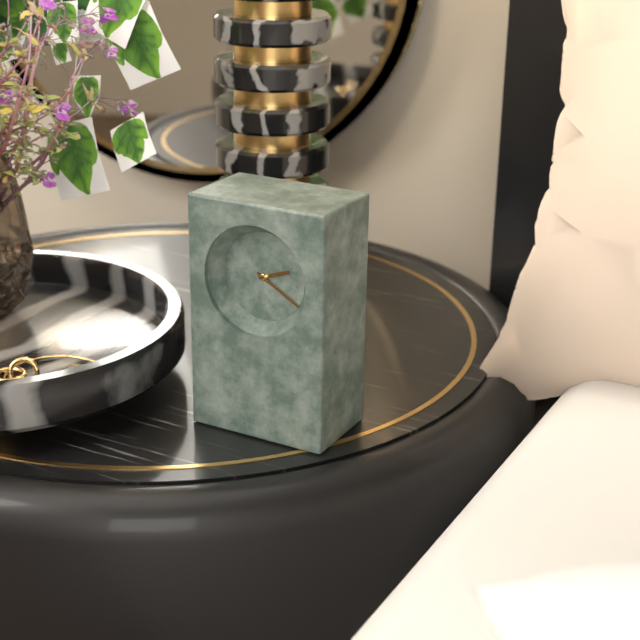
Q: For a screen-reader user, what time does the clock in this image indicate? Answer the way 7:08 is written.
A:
2:20
